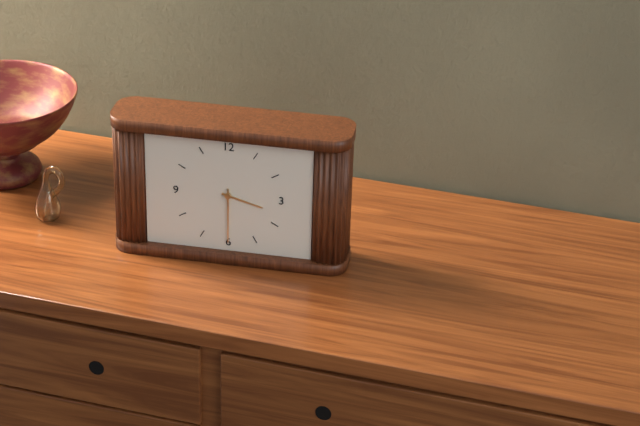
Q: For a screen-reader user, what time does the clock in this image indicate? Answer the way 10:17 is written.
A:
3:30
